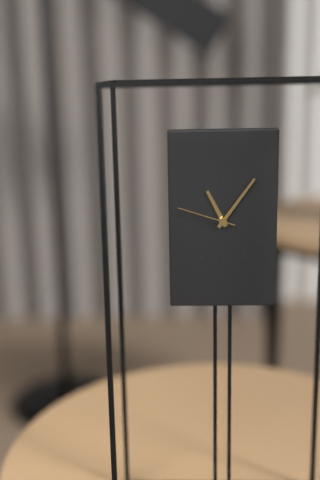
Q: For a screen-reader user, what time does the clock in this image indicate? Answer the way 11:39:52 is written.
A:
11:06:48
